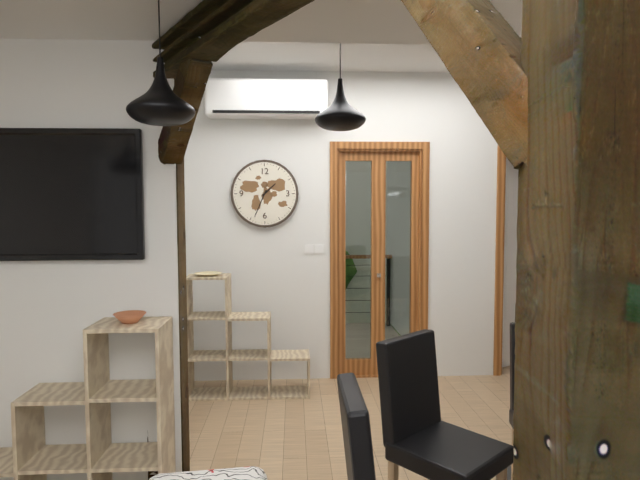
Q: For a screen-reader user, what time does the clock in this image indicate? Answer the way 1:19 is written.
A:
1:34
